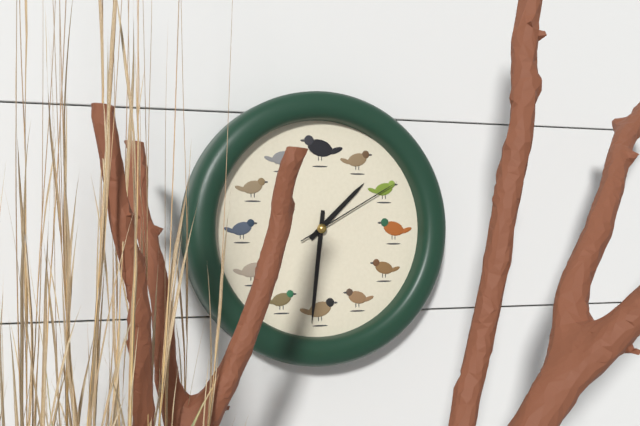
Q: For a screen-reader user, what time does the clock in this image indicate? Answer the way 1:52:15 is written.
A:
1:31:10
